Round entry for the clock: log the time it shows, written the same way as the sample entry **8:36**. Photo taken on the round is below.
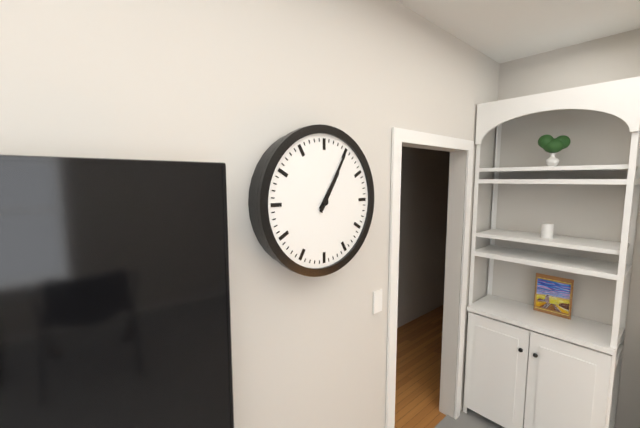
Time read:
**1:05**
